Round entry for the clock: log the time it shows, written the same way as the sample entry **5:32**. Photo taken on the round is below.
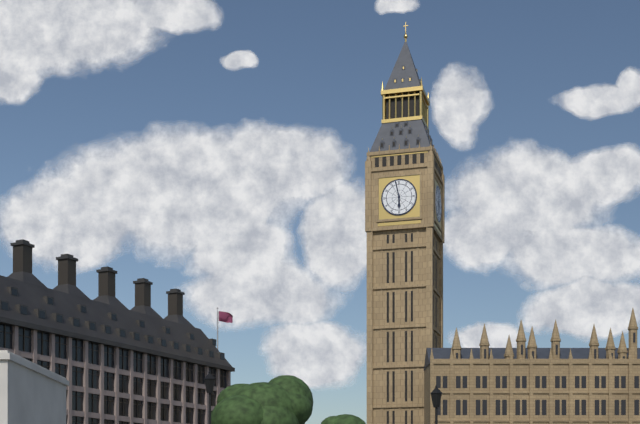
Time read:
**5:58**
